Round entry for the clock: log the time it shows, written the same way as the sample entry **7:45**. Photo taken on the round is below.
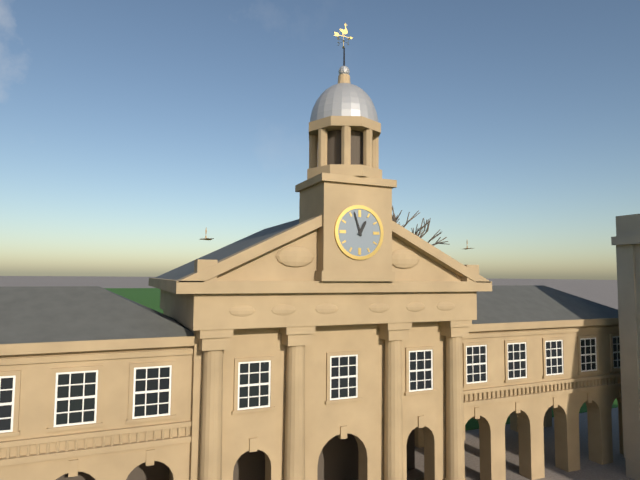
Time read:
**12:57**
